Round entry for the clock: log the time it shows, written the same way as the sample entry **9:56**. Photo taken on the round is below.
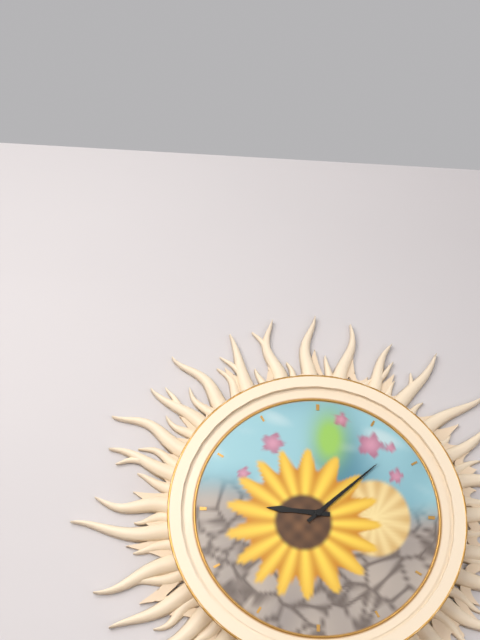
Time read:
**9:08**
